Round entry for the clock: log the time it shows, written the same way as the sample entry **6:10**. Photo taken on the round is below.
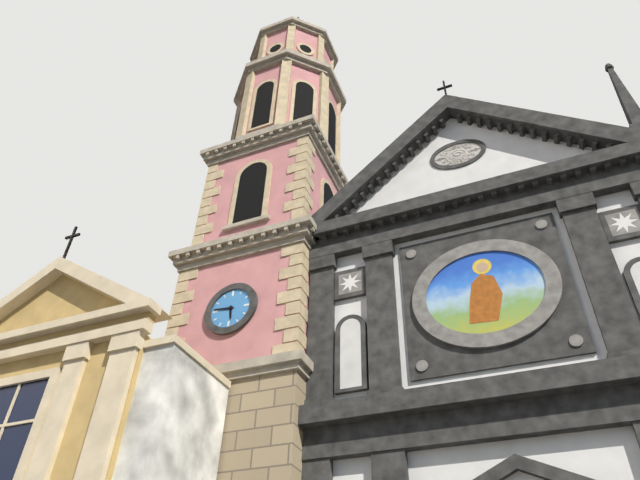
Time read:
**5:46**
